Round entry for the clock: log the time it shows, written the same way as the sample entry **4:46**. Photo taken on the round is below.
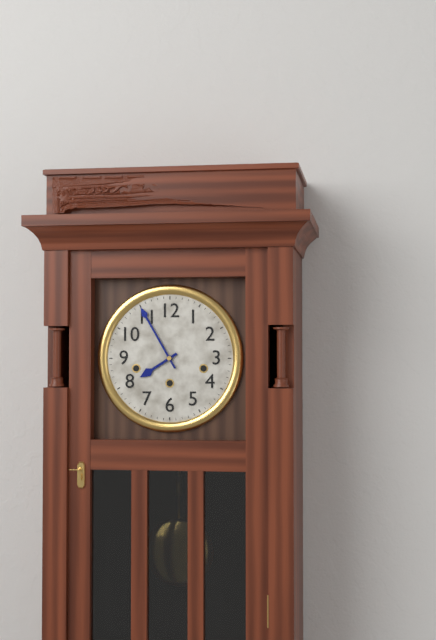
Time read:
**7:55**
